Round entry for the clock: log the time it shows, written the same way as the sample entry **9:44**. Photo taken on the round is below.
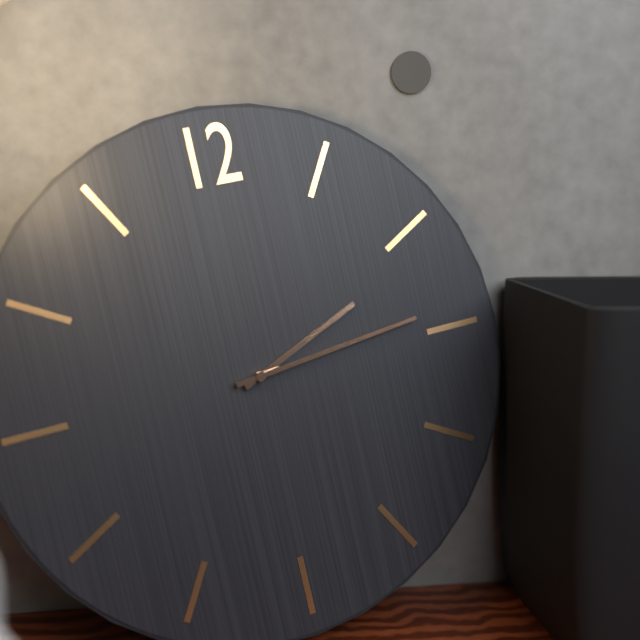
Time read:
**2:14**
